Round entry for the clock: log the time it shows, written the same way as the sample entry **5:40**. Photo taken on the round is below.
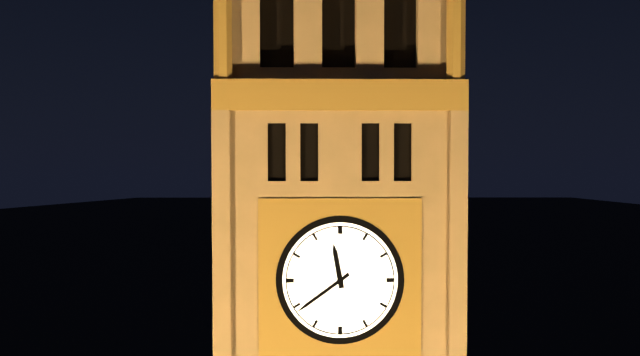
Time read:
**11:39**
